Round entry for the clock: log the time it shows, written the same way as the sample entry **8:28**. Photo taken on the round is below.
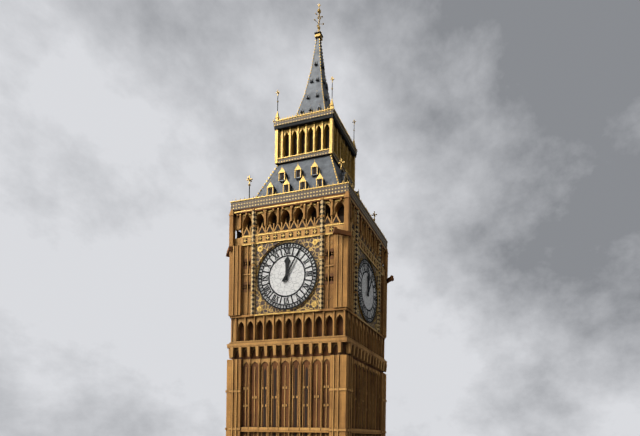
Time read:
**12:05**
